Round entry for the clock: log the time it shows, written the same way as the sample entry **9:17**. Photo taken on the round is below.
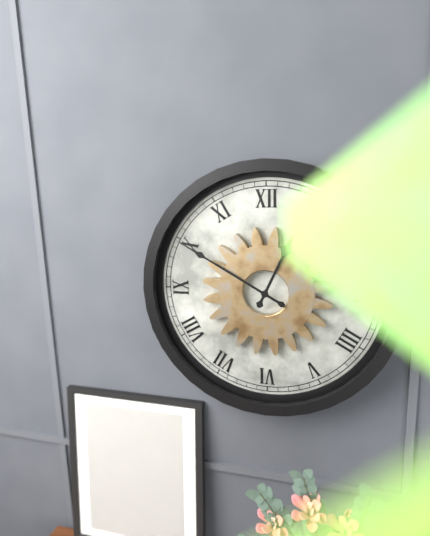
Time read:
**12:50**
